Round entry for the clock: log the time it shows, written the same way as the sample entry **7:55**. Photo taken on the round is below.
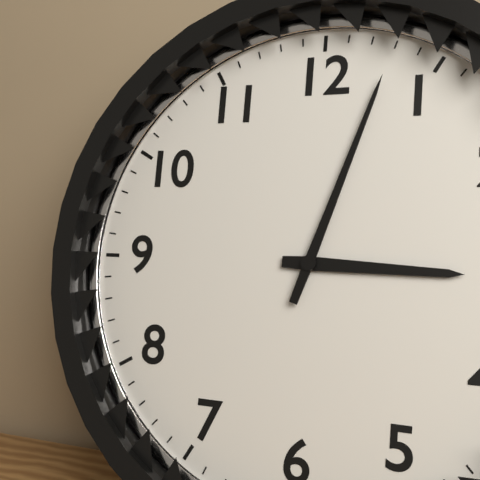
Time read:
**3:03**
